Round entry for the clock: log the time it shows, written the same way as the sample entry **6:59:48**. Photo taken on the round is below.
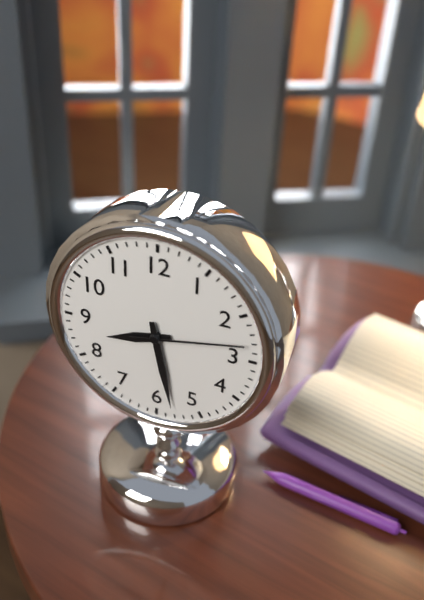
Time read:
**8:28:13**
